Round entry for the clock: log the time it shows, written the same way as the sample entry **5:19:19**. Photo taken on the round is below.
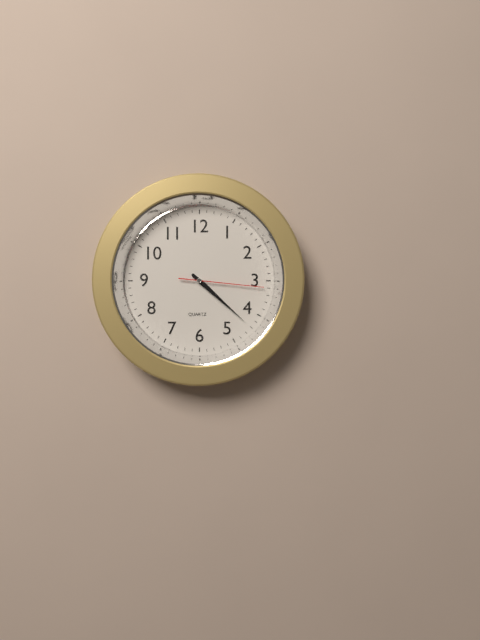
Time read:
**4:22:16**
